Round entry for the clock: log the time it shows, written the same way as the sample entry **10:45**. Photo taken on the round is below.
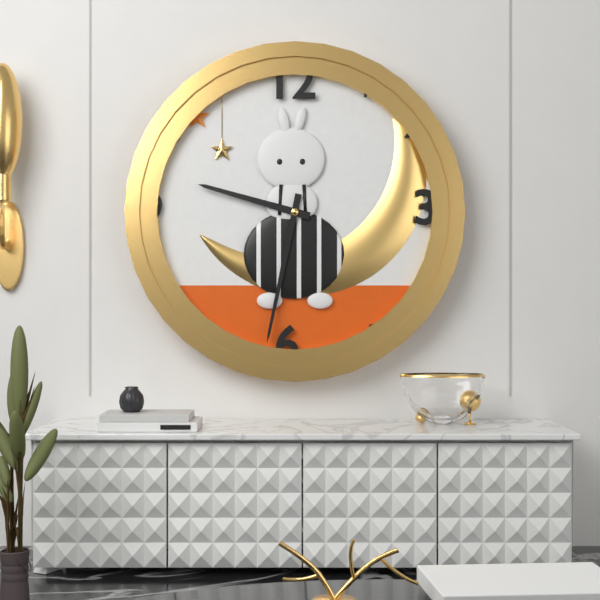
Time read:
**9:32**
